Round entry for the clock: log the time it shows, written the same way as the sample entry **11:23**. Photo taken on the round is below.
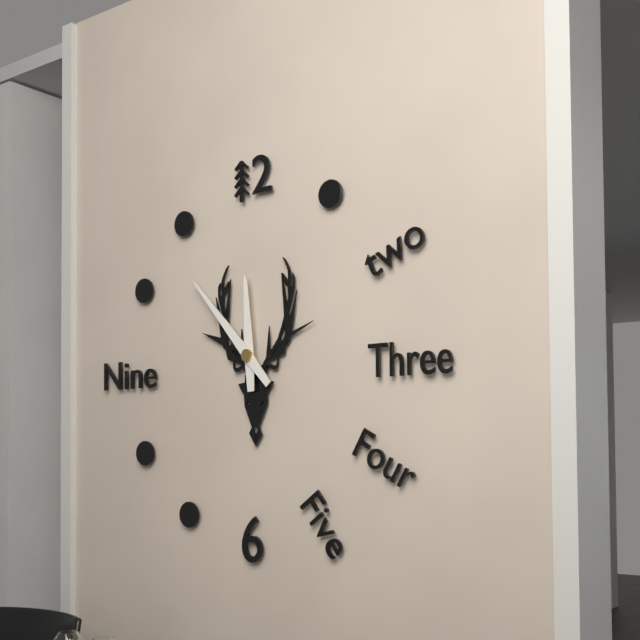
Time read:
**11:53**
